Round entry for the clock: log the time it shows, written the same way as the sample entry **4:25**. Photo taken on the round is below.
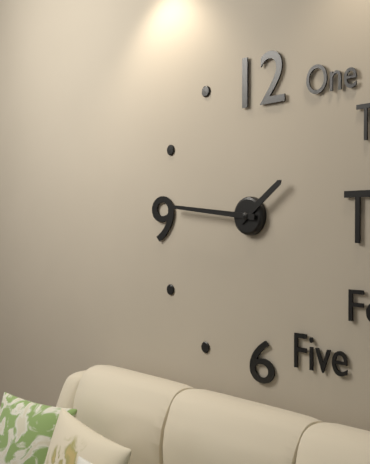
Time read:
**1:46**
